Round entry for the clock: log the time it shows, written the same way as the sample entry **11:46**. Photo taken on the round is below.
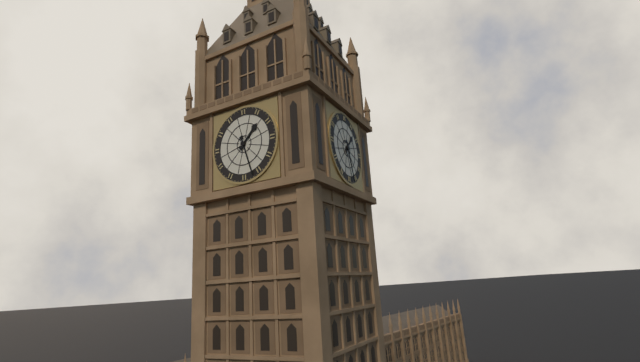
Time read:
**1:27**
